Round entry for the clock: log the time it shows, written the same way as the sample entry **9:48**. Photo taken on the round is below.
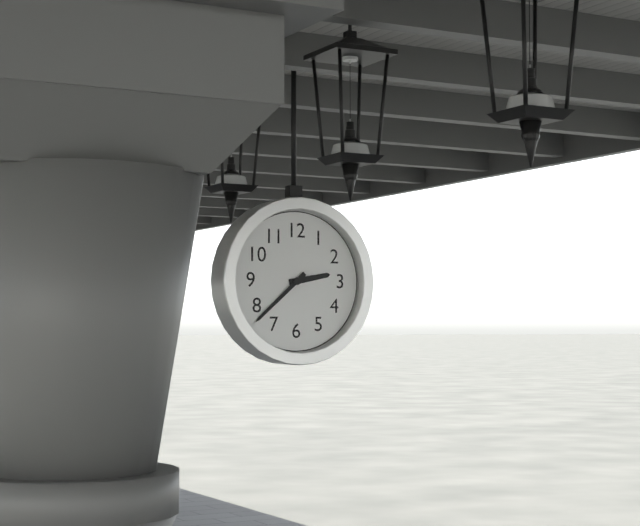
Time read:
**2:38**
